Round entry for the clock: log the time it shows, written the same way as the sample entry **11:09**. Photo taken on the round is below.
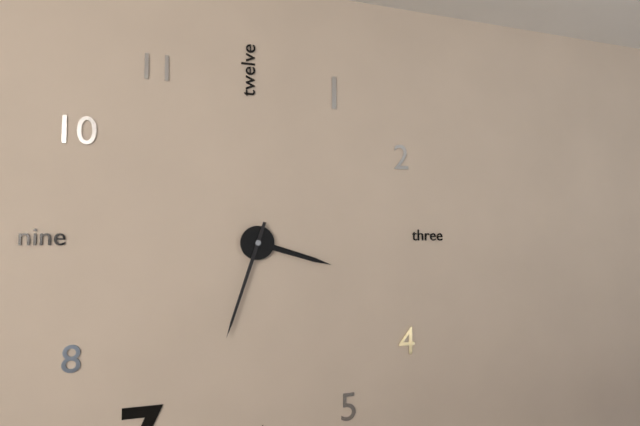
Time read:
**3:33**
